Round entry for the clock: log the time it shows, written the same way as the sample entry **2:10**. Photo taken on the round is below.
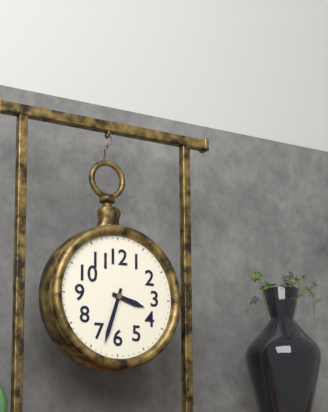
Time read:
**3:33**
